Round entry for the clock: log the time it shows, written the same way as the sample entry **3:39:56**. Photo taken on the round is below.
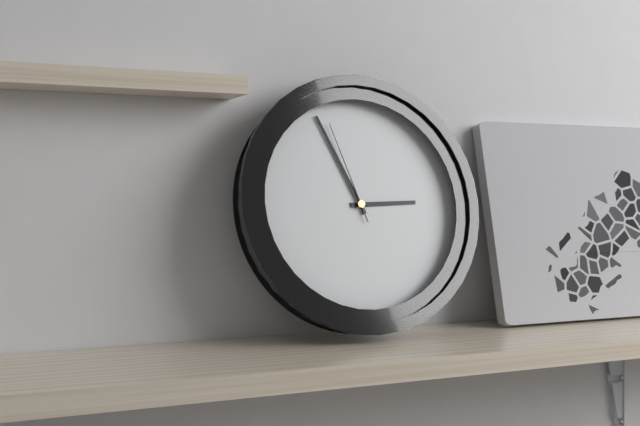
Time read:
**2:56:57**
